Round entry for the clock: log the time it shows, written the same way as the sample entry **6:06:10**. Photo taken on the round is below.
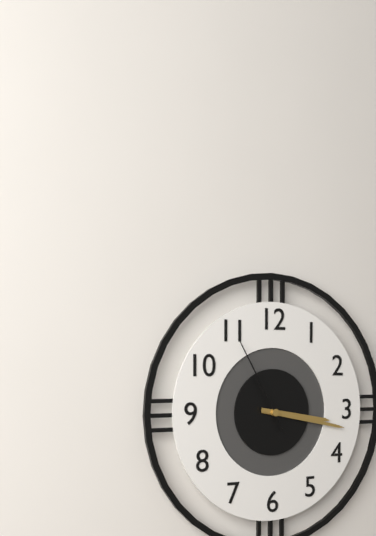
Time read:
**3:17:55**
